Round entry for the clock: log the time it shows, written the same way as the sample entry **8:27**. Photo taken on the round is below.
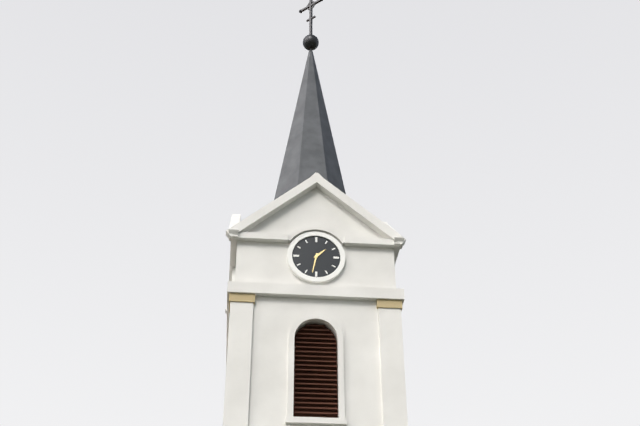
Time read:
**1:32**
